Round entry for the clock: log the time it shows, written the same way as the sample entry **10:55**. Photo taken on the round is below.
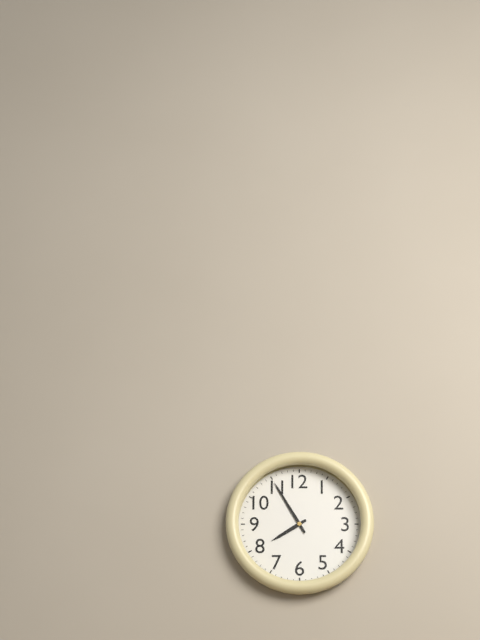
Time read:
**7:55**
